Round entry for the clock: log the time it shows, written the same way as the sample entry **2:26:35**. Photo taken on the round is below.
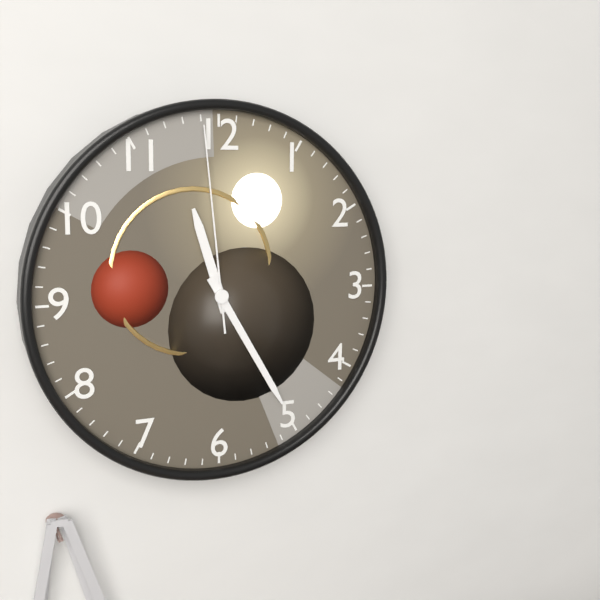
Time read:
**11:25:59**
